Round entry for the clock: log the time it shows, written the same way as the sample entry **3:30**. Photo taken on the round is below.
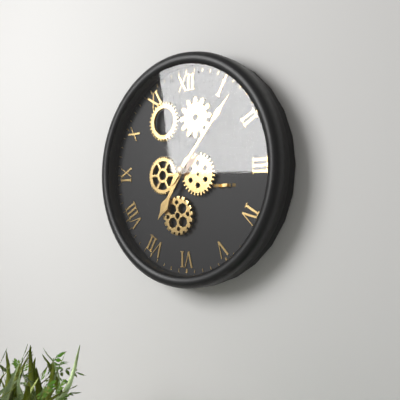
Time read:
**7:07**
